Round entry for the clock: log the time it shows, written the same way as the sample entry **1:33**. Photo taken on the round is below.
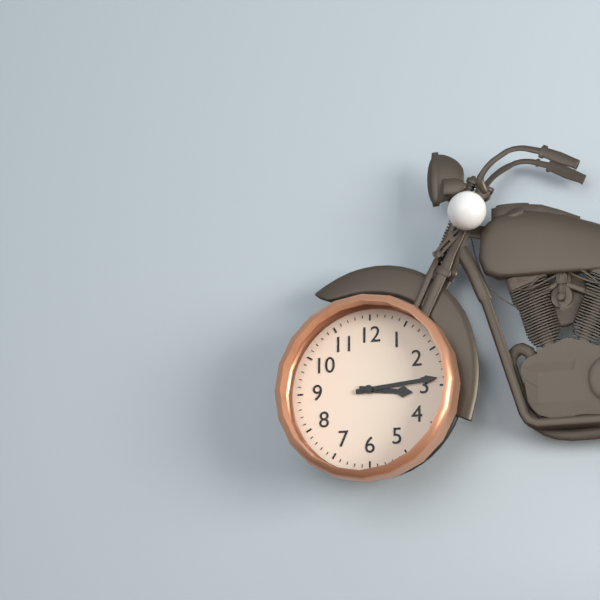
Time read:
**3:14**
